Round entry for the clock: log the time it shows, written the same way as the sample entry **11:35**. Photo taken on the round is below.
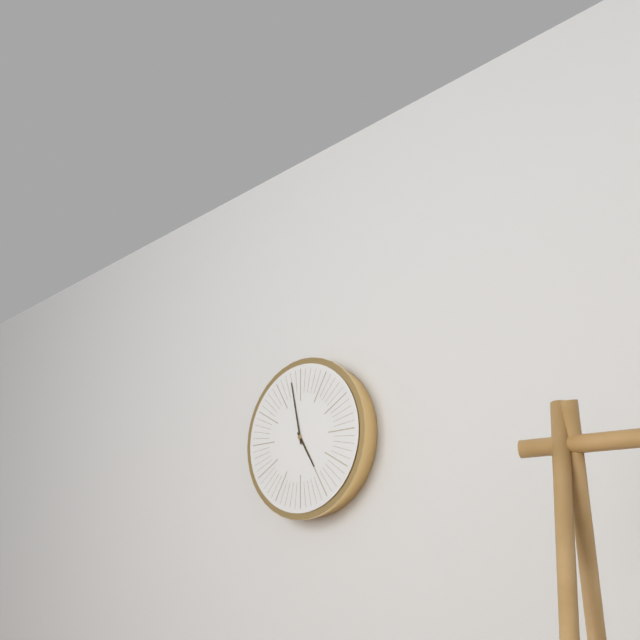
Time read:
**4:58**
